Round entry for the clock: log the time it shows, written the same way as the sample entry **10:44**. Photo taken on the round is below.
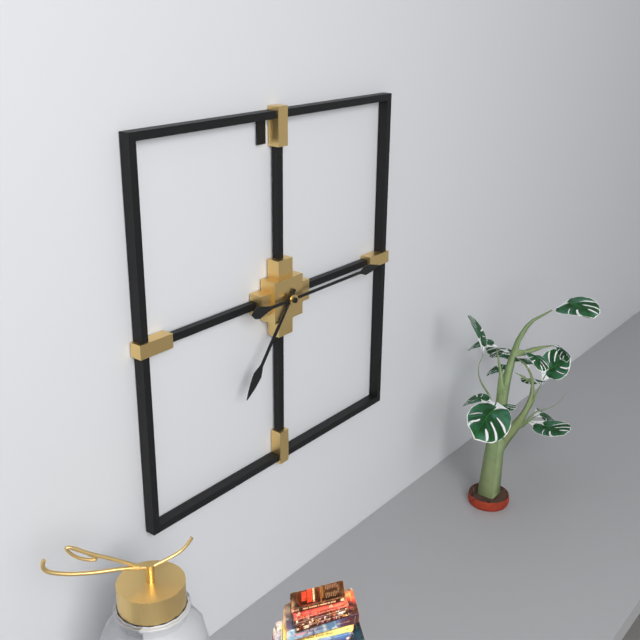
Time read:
**7:15**
